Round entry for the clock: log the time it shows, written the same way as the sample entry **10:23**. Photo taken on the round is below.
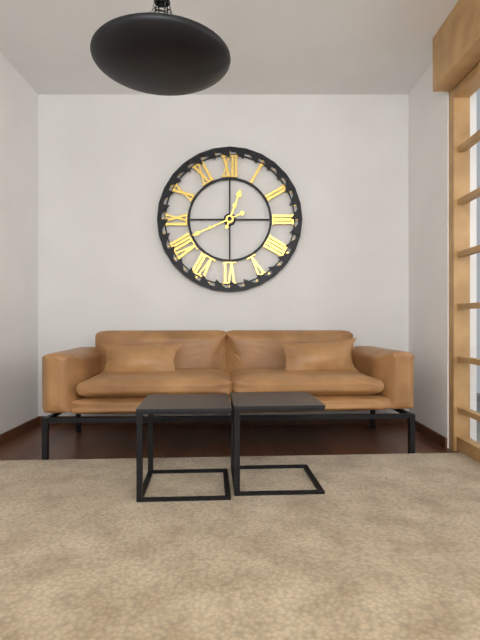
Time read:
**12:41**
